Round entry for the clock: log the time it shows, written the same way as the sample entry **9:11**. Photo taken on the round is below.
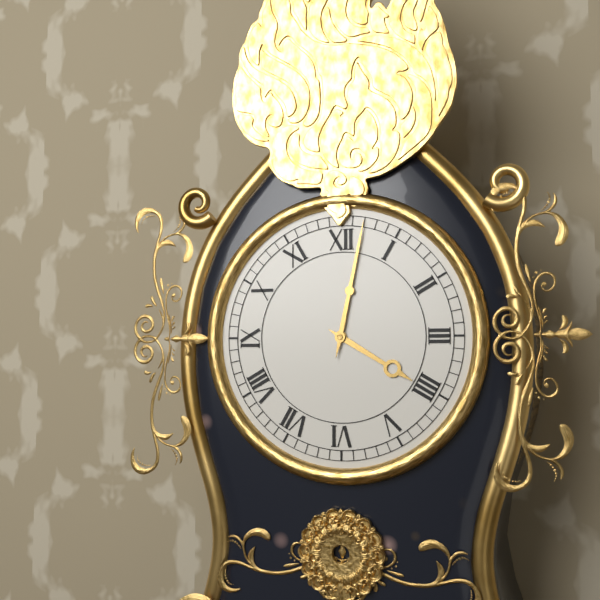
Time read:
**4:02**
